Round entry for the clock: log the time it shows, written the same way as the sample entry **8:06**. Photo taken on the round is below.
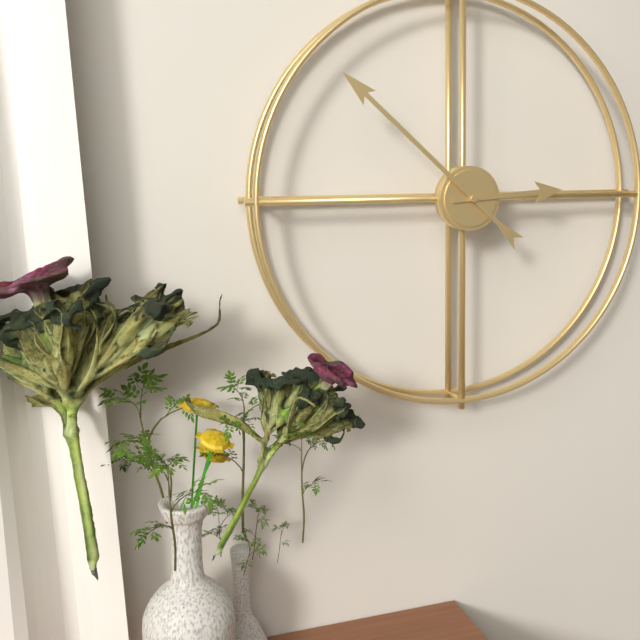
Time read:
**2:52**
